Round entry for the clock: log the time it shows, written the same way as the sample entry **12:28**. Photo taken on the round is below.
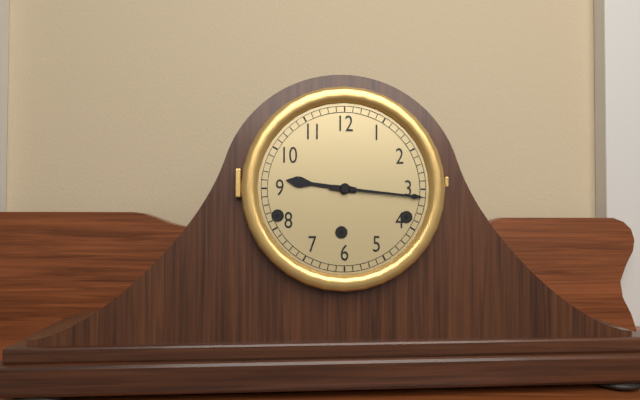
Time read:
**9:16**
